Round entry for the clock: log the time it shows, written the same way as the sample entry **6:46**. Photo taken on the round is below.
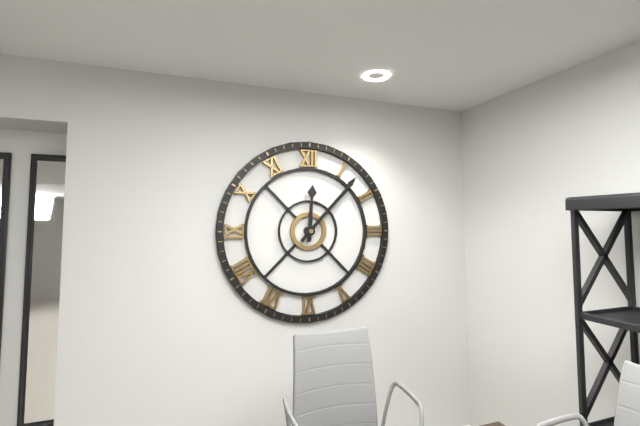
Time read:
**12:07**
